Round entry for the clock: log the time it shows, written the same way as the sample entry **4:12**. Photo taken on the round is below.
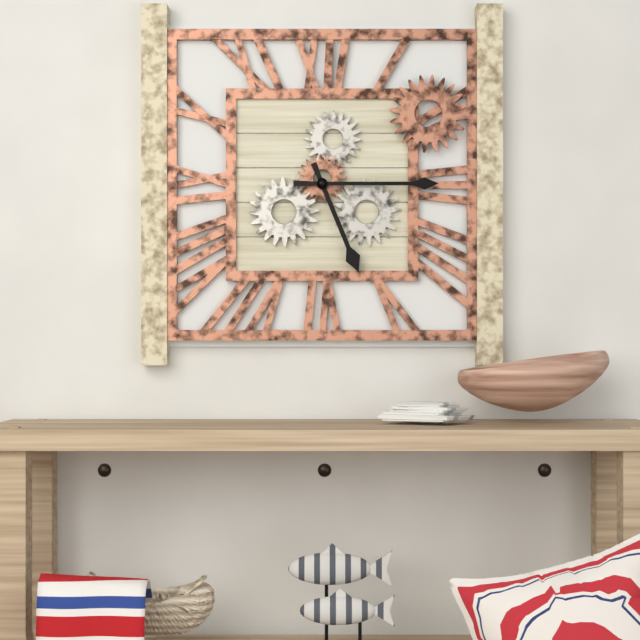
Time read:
**5:15**
